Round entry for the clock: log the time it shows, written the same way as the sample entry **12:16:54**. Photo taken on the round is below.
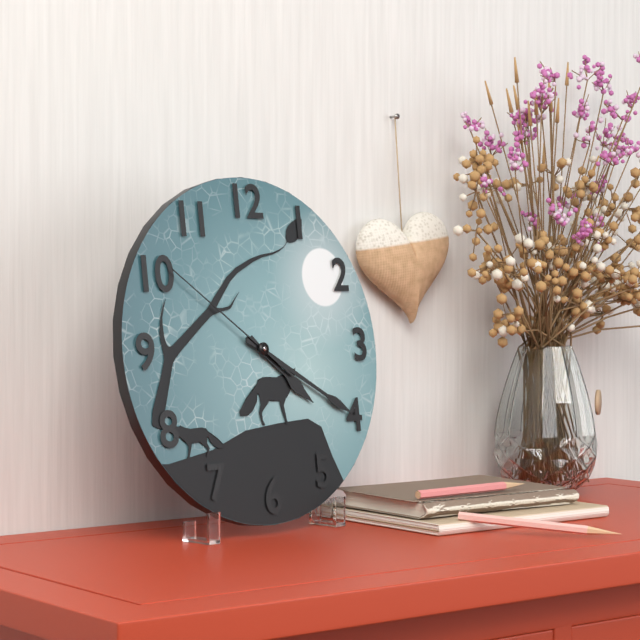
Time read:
**4:20:51**
